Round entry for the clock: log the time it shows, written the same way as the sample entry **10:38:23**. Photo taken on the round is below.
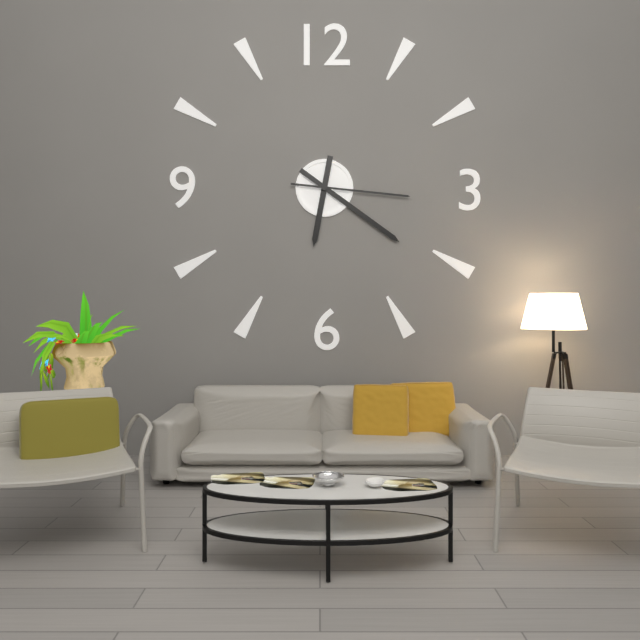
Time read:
**6:21:16**
